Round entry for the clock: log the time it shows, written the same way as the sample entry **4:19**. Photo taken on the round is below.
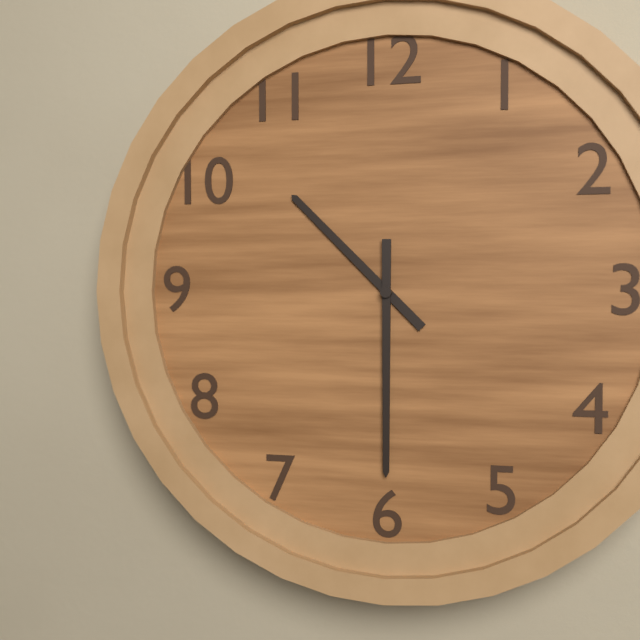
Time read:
**10:30**
